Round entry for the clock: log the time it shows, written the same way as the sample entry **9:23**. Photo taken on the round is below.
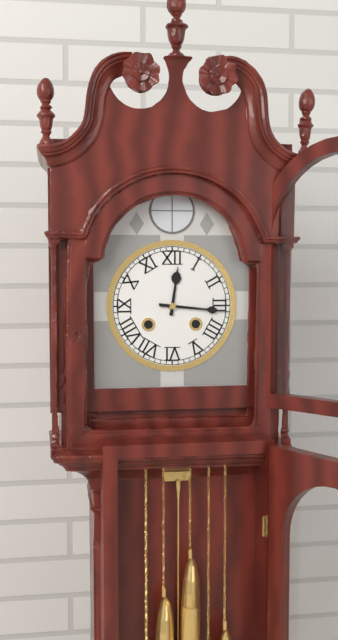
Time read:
**12:16**
